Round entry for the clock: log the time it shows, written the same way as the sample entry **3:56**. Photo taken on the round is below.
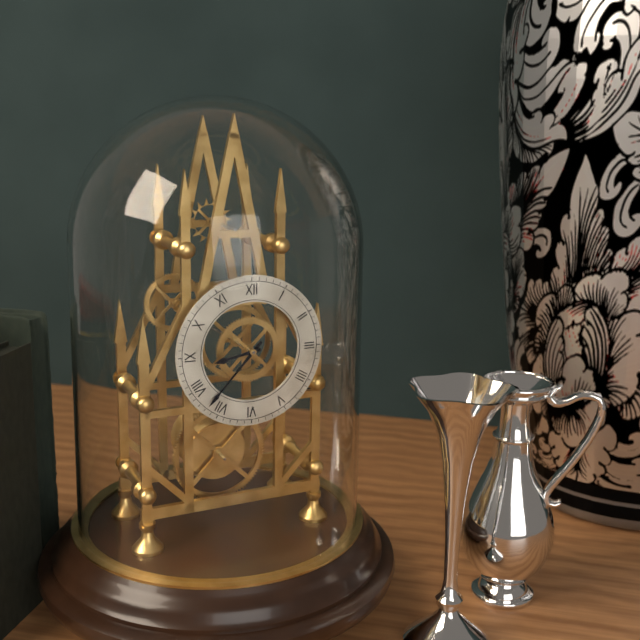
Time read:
**8:37**
